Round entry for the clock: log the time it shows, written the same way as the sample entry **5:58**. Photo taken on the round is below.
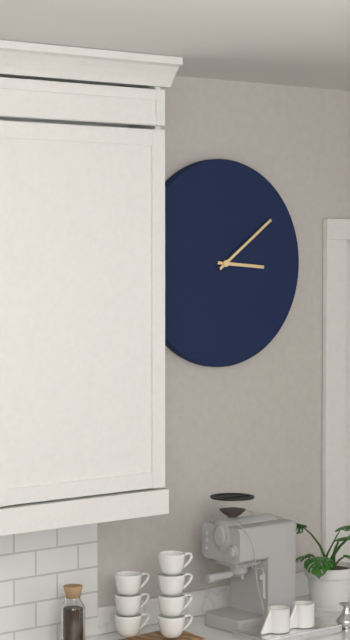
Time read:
**3:09**
